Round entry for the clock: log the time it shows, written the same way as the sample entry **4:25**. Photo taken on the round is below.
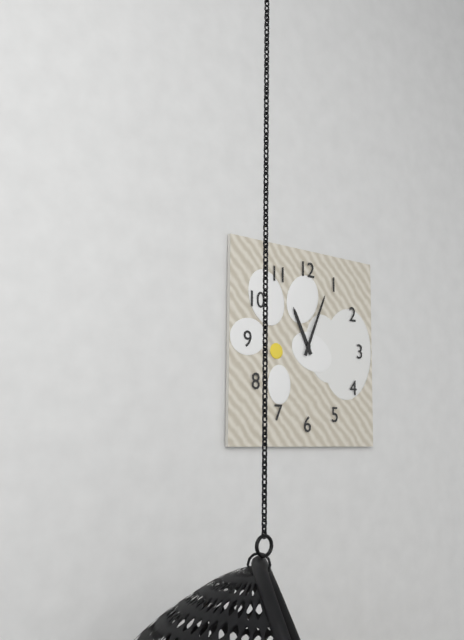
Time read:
**11:04**
